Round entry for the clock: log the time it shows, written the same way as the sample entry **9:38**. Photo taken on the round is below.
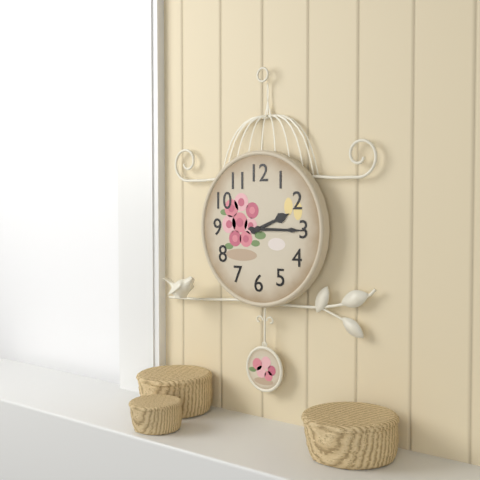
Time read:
**2:15**
